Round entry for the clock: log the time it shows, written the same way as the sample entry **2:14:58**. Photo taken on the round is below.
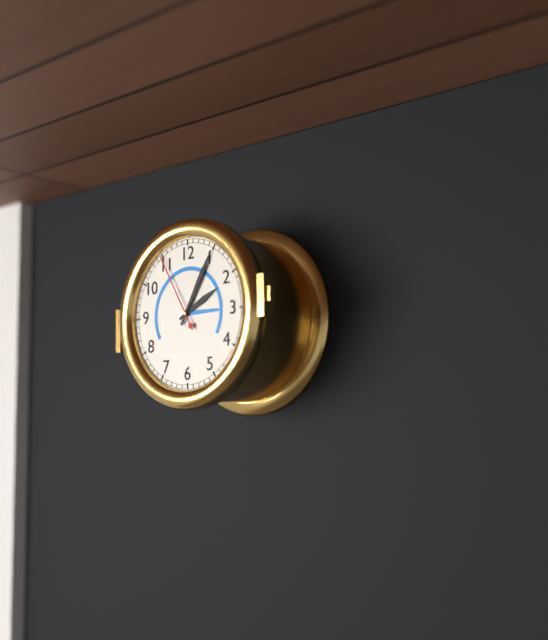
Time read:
**2:05:55**
